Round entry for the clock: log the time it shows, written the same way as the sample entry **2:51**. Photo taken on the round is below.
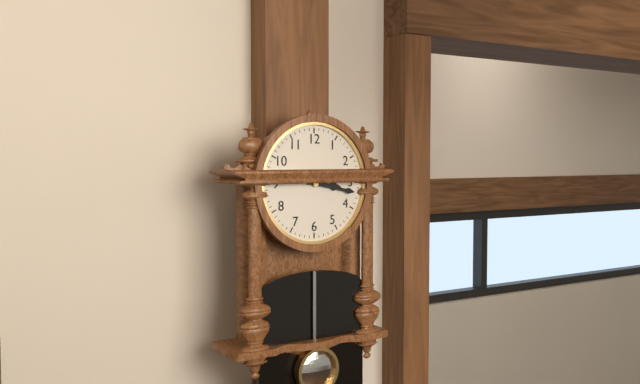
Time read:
**3:17**
